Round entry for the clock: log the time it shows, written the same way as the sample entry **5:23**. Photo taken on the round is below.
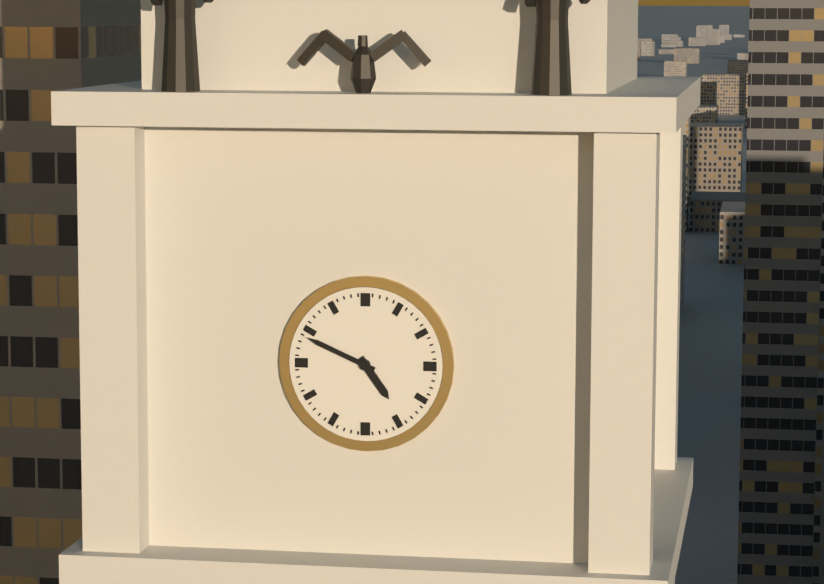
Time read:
**4:49**
